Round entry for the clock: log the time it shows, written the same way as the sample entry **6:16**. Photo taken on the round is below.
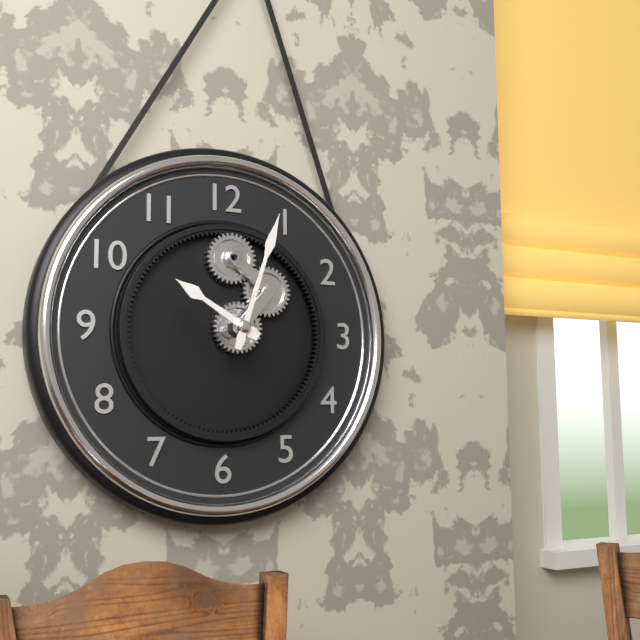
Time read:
**10:03**
